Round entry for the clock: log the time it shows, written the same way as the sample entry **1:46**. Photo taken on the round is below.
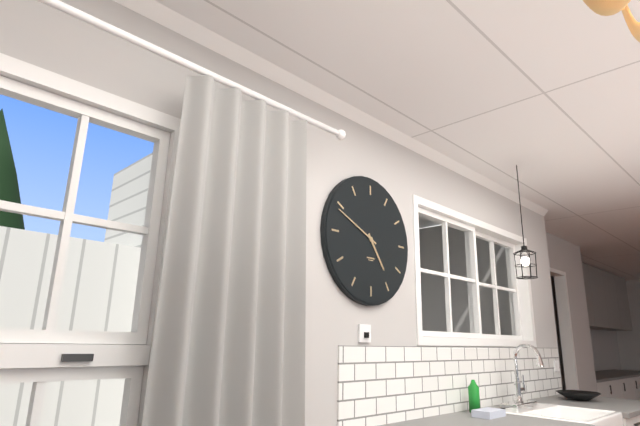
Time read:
**4:49**
